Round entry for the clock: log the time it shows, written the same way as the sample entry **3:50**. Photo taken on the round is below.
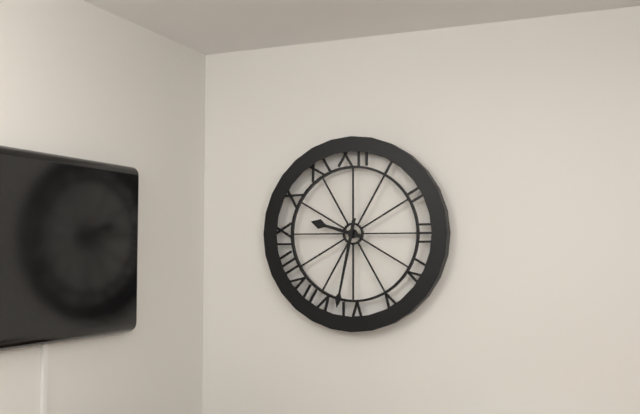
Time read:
**9:32**
